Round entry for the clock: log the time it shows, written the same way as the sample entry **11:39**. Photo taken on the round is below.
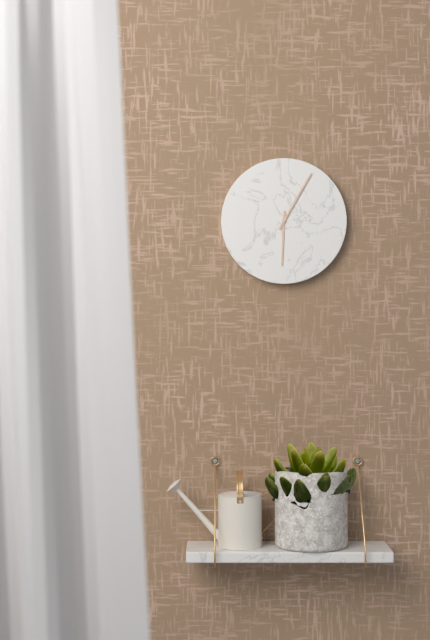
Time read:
**6:05**
